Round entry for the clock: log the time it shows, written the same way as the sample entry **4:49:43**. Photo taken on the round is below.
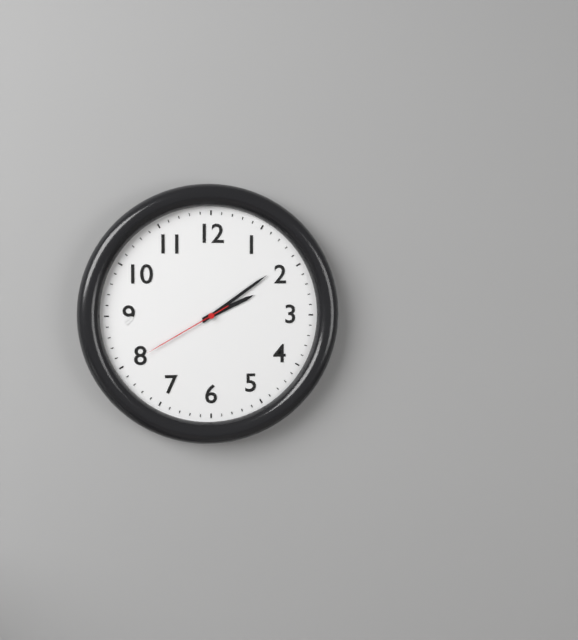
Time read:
**2:09:40**
